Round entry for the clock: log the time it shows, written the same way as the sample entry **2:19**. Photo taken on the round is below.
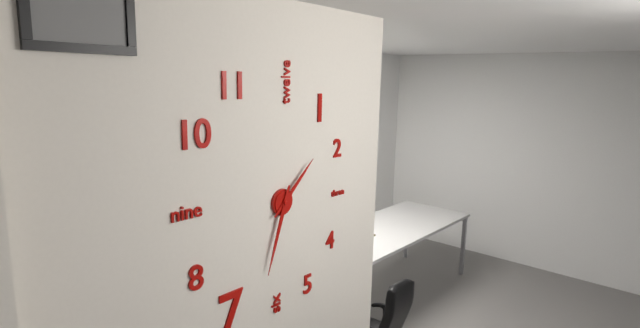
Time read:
**1:33**
